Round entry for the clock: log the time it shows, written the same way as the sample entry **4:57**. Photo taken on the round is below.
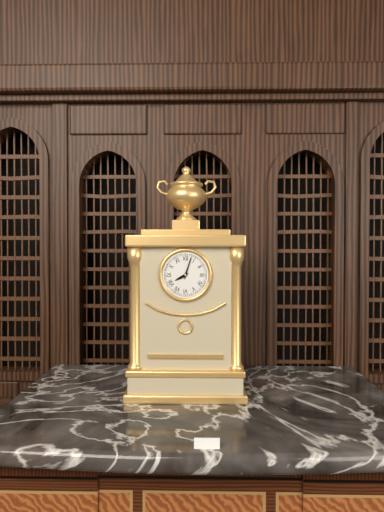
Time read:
**8:03**
